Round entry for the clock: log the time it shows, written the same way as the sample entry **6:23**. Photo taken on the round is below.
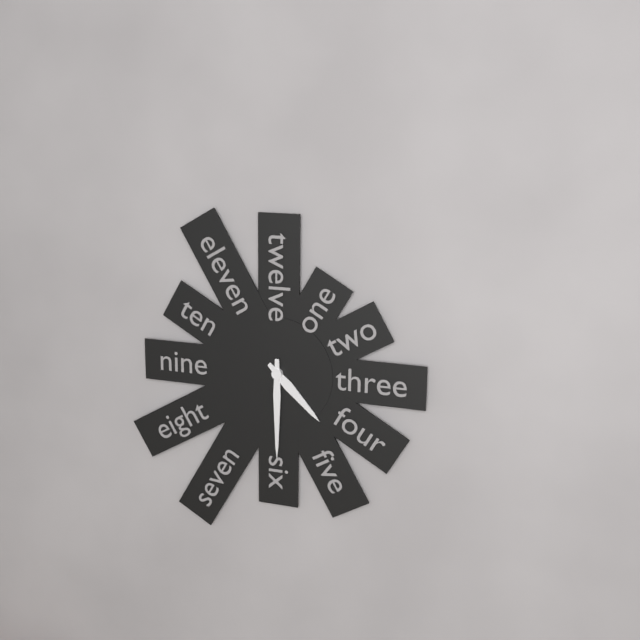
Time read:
**4:30**
